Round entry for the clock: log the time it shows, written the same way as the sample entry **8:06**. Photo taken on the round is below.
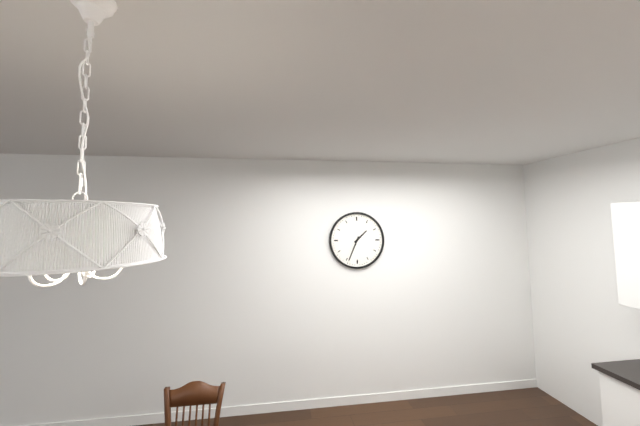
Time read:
**1:34**
